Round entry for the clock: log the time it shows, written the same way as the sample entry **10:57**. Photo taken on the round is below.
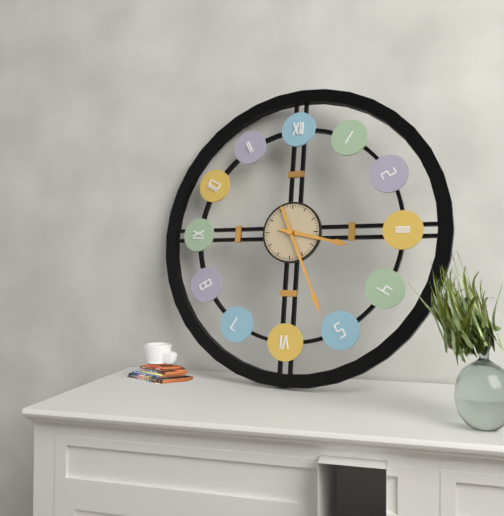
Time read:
**3:26**
